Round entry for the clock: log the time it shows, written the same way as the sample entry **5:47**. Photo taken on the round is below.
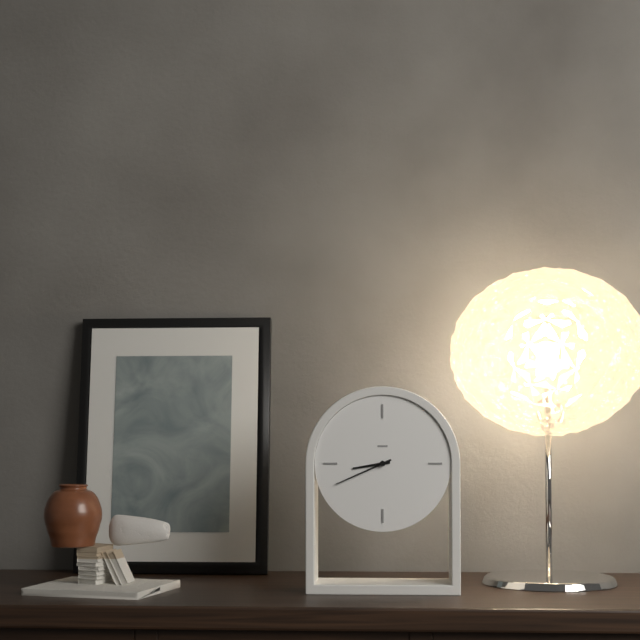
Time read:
**8:41**
